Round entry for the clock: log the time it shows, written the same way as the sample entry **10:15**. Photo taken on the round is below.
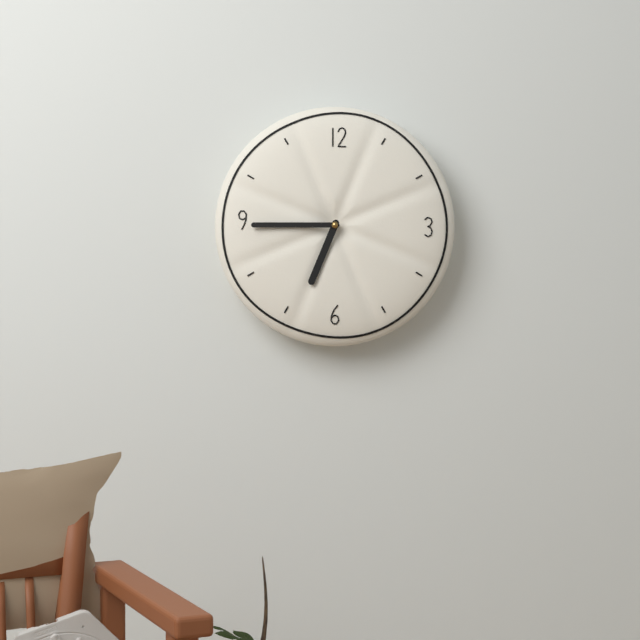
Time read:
**6:45**
